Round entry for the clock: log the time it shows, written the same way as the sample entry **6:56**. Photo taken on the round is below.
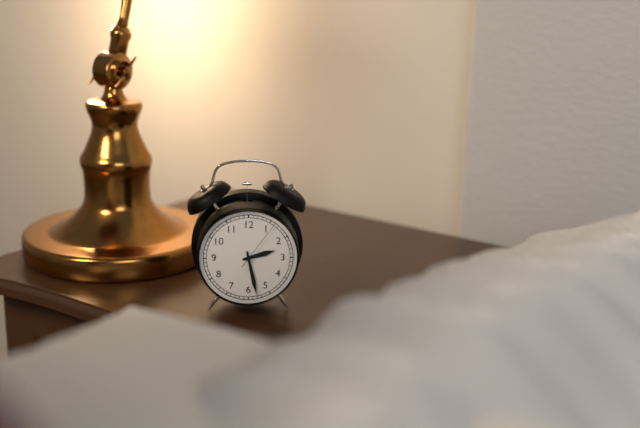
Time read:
**2:28**
